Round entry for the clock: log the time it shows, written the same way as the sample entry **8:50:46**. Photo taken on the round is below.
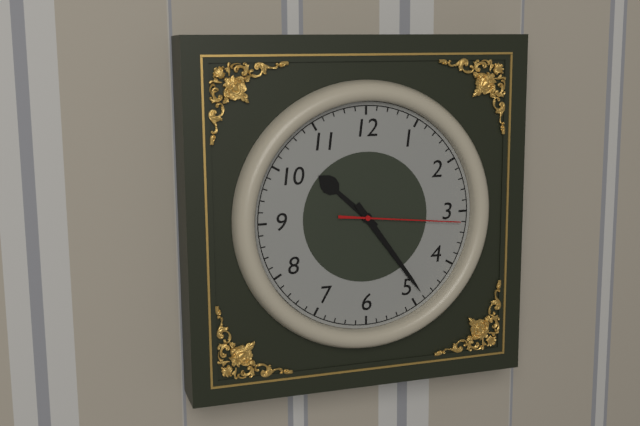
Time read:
**10:24:16**
